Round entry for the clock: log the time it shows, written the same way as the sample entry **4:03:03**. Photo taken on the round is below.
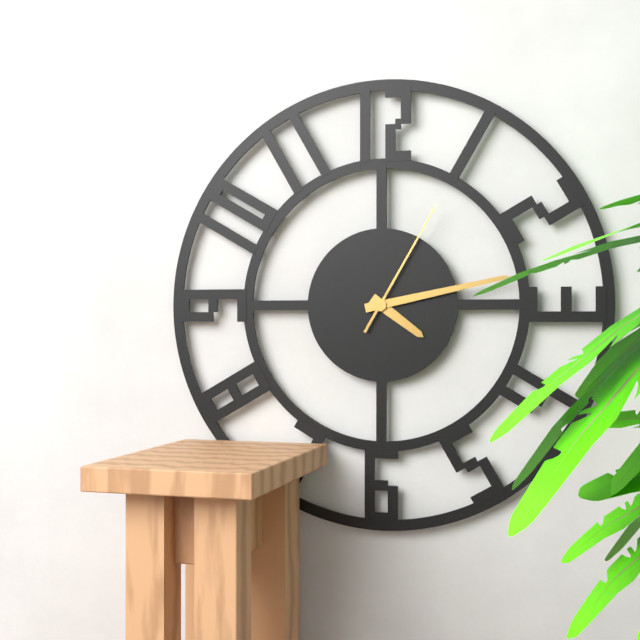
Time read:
**4:13:05**
